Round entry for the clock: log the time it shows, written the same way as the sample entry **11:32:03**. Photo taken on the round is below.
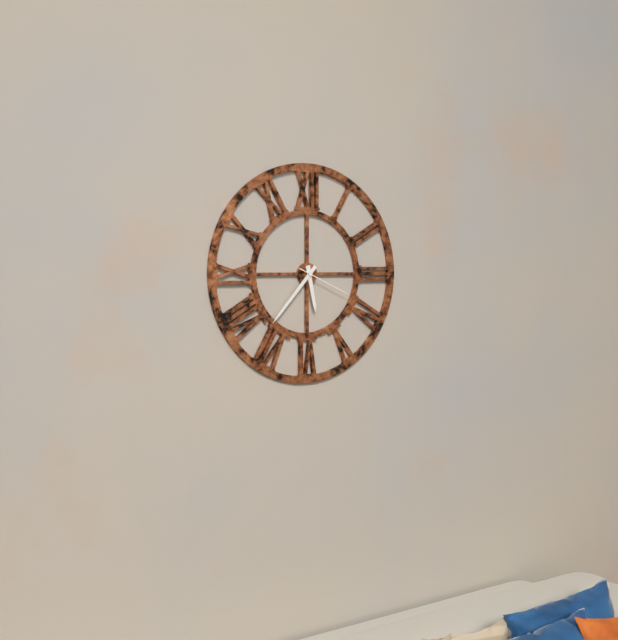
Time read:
**5:37:19**
